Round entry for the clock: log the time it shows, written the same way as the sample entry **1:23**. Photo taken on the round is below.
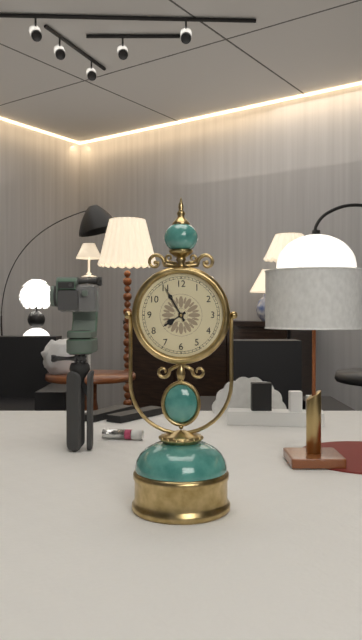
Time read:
**7:55**
